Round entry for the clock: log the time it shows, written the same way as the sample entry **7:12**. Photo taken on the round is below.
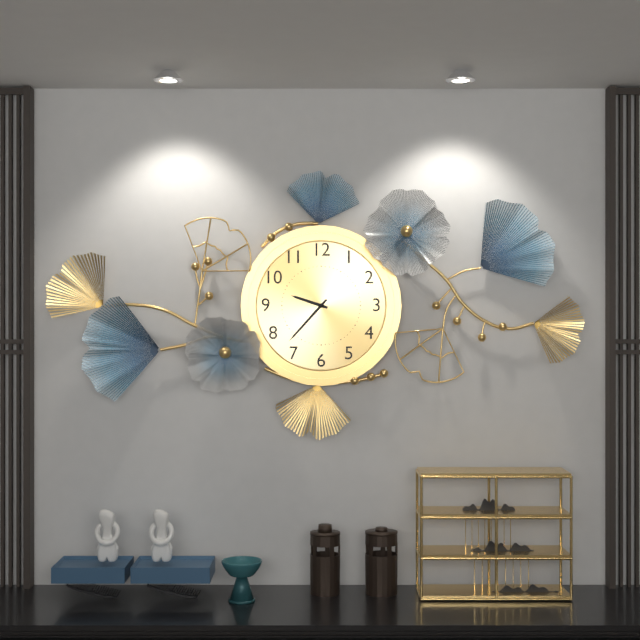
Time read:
**9:37**
